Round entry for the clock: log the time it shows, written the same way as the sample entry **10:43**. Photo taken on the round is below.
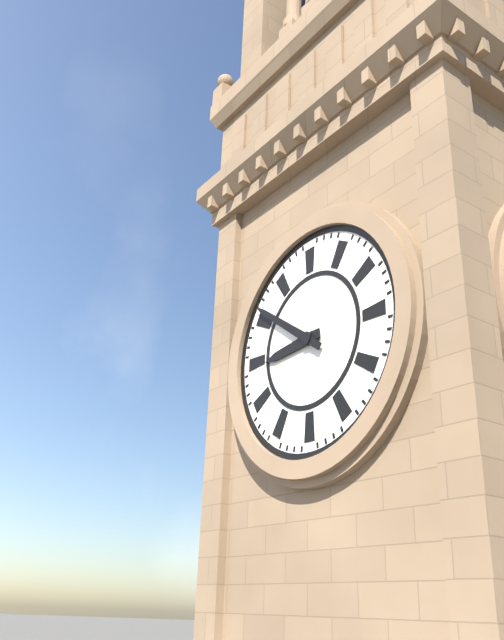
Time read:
**8:51**
